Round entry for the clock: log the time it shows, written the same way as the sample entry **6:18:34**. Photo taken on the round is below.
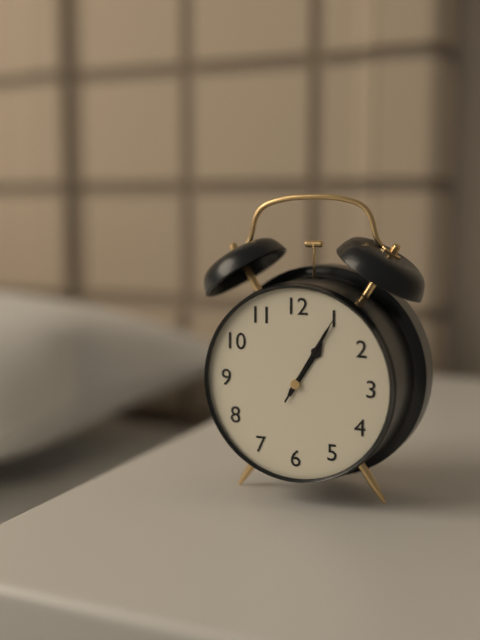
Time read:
**1:05:05**
